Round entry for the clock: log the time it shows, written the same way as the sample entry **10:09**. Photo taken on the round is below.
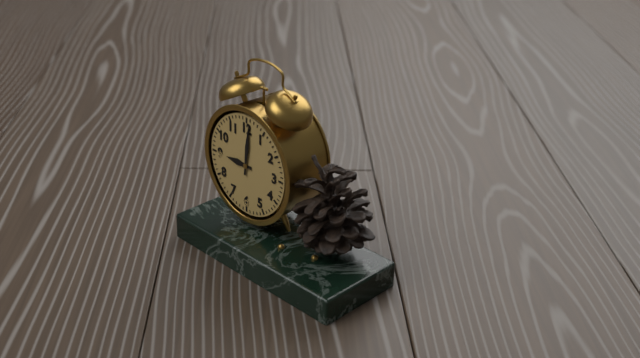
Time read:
**9:01**
